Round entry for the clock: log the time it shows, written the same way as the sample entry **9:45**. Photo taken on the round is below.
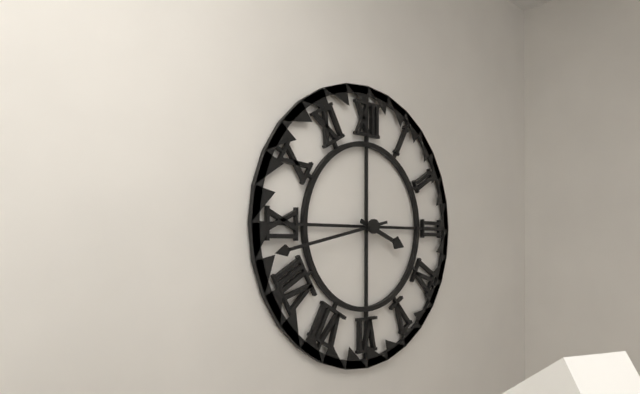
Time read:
**3:43**
